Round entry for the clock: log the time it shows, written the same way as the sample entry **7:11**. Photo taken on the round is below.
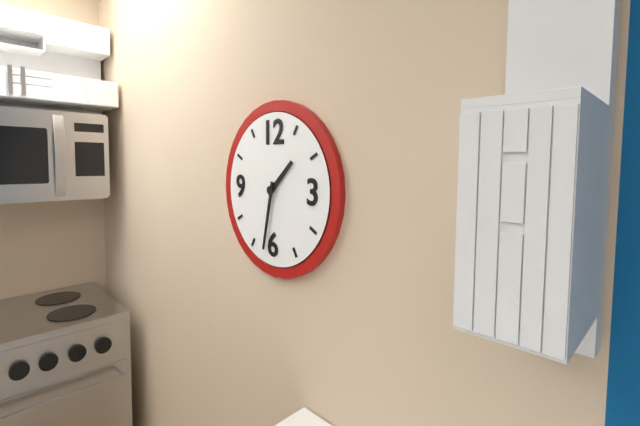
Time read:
**1:32**
